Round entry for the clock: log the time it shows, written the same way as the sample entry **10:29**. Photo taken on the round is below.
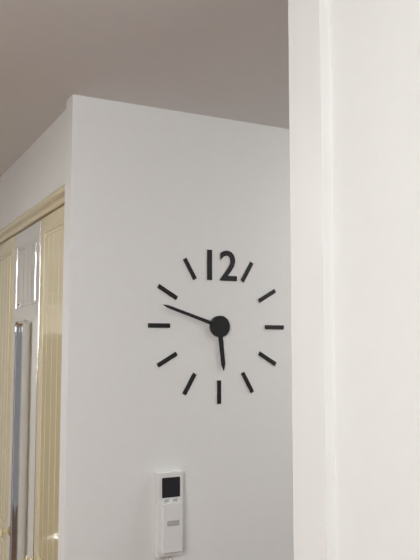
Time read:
**5:48**
